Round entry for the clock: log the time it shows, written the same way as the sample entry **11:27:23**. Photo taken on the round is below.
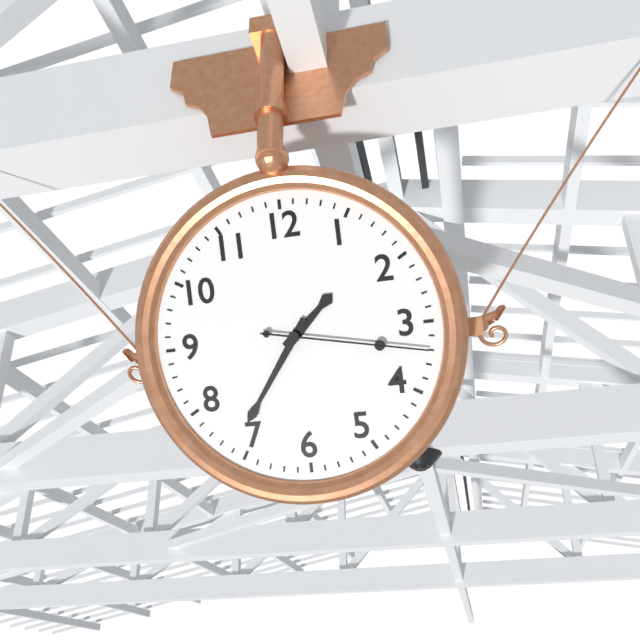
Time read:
**1:36:17**
